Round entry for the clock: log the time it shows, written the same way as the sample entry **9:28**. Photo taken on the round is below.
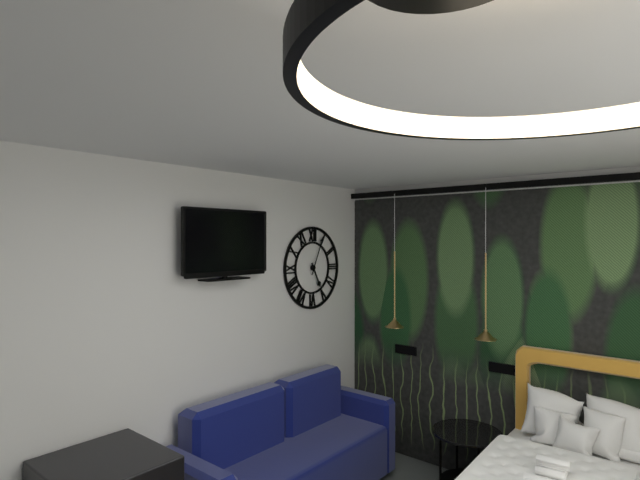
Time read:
**5:04**
